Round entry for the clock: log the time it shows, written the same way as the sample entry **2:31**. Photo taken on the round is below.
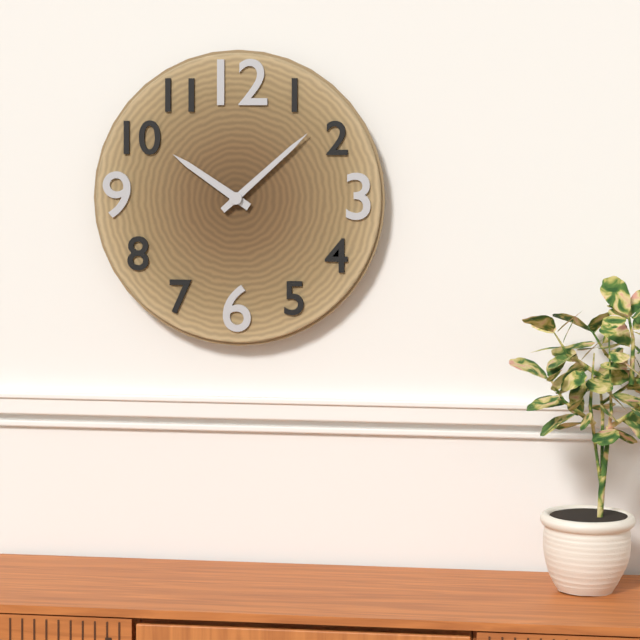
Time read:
**10:08**
